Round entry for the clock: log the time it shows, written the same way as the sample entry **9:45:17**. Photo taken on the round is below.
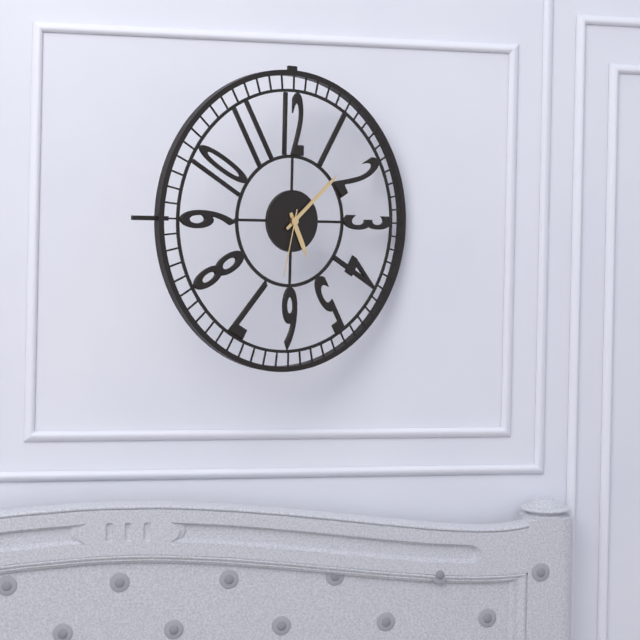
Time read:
**5:08:32**
